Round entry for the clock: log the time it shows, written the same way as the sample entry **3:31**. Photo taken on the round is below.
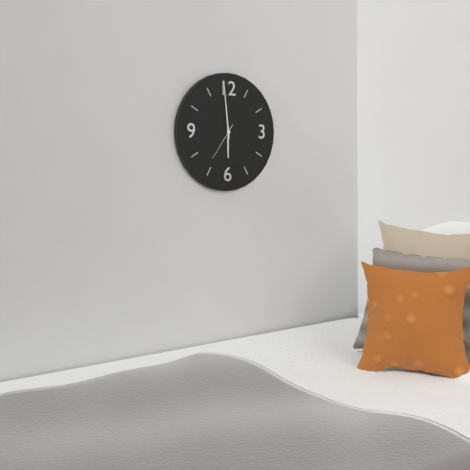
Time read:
**5:59**
